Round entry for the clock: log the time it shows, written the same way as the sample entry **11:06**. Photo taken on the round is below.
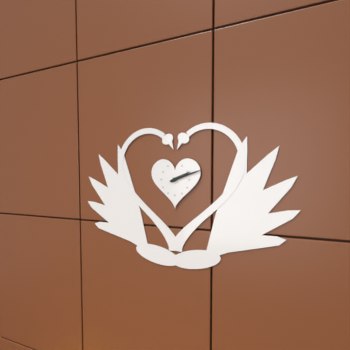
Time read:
**2:12**
